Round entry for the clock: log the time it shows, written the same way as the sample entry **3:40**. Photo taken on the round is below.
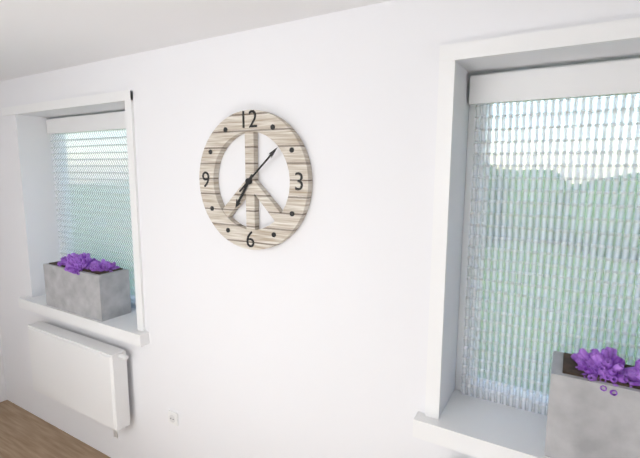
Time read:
**7:08**
